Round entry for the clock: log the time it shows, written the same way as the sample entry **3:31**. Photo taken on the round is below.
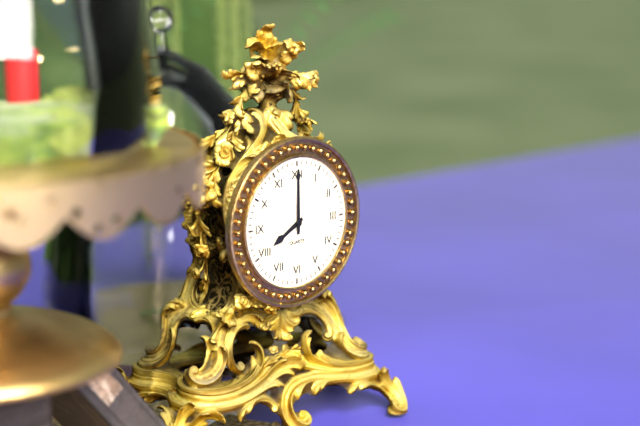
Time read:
**8:00**
